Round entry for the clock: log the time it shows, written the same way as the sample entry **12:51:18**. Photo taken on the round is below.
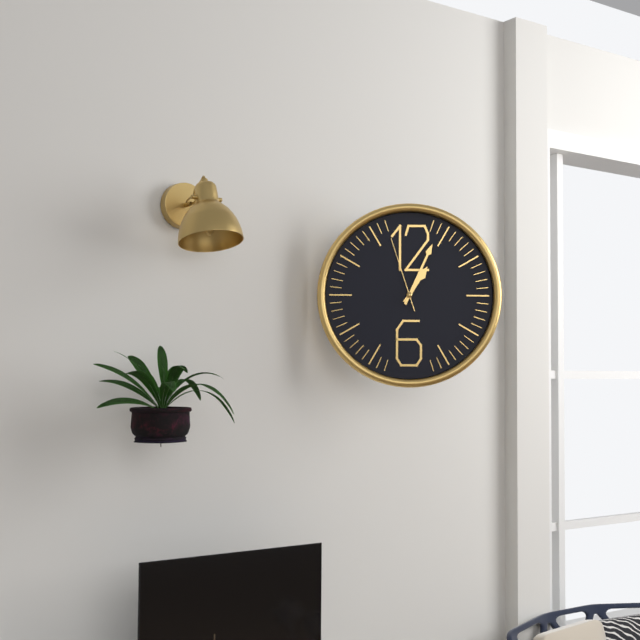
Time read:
**1:04:57**
